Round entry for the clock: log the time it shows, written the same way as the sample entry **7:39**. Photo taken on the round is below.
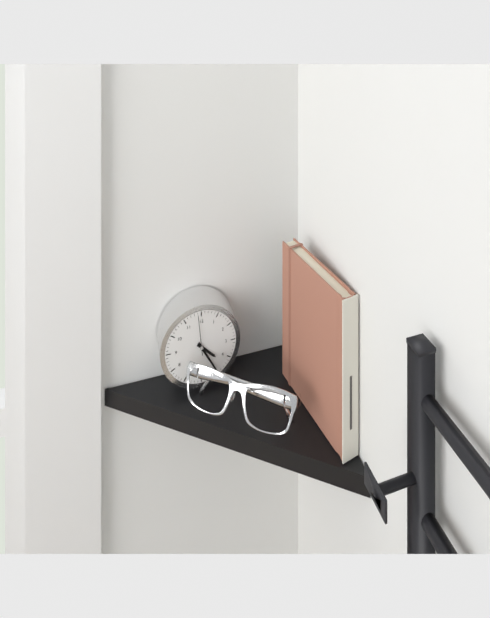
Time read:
**4:25**
